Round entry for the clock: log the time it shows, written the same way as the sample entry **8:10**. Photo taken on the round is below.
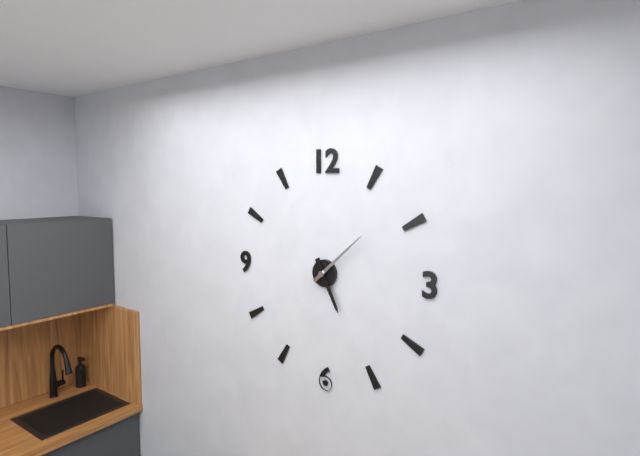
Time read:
**5:08**
